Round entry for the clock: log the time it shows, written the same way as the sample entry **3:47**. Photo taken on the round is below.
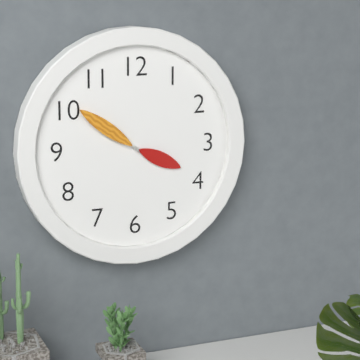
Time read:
**3:51**
